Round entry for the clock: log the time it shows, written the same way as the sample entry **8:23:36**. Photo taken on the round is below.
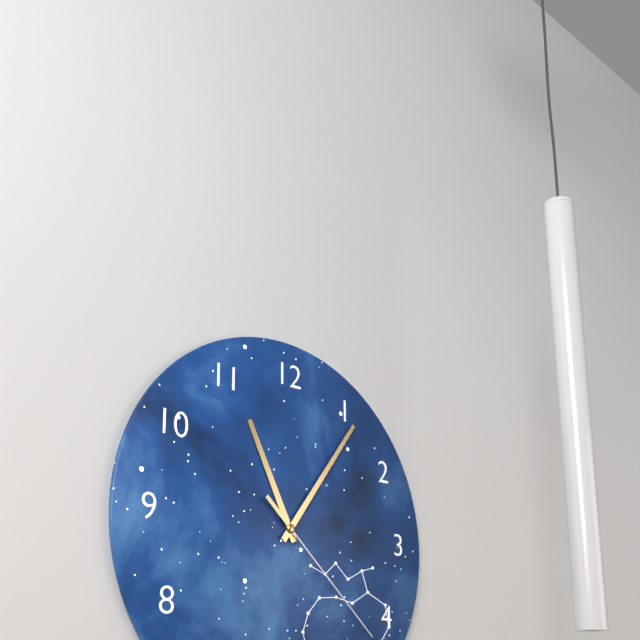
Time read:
**11:06:22**
